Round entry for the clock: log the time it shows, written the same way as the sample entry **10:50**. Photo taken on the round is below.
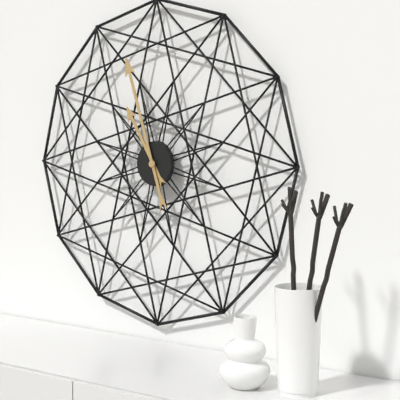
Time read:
**10:57**
